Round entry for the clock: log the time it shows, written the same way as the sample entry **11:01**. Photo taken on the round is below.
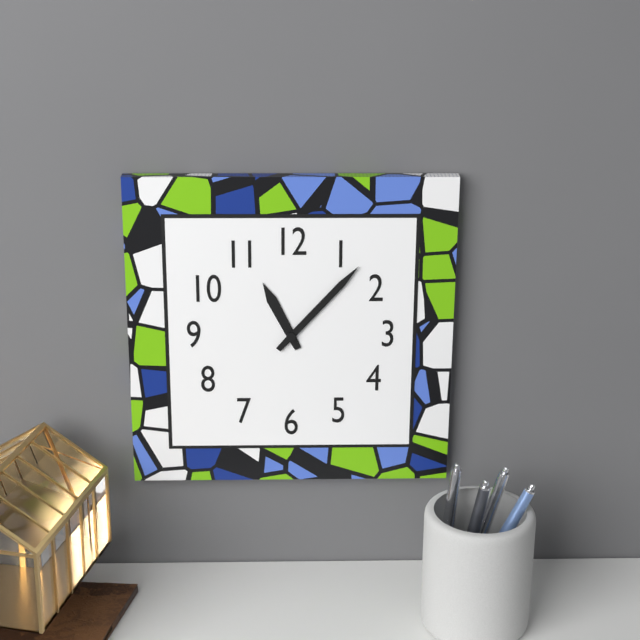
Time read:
**11:07**
